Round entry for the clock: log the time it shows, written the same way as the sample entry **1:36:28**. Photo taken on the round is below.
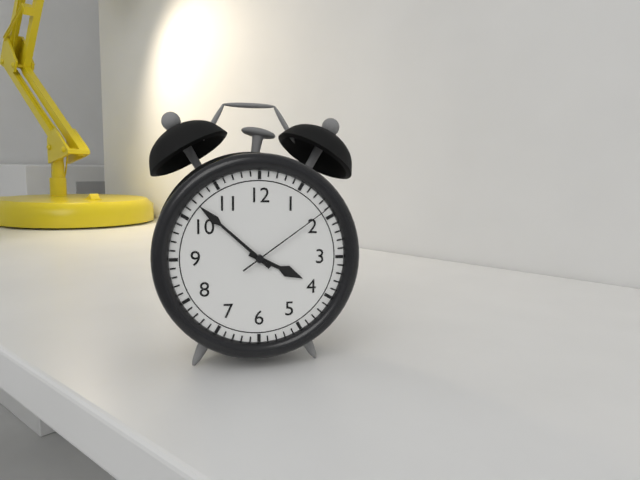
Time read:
**3:52:09**
